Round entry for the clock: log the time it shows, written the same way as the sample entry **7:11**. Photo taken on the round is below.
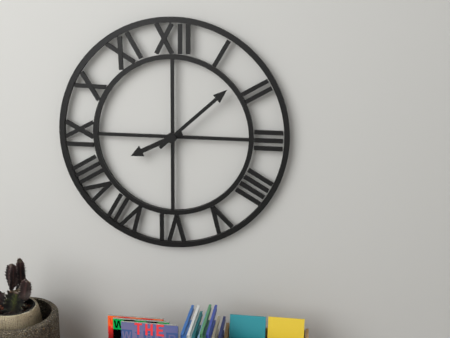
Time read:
**8:08**
